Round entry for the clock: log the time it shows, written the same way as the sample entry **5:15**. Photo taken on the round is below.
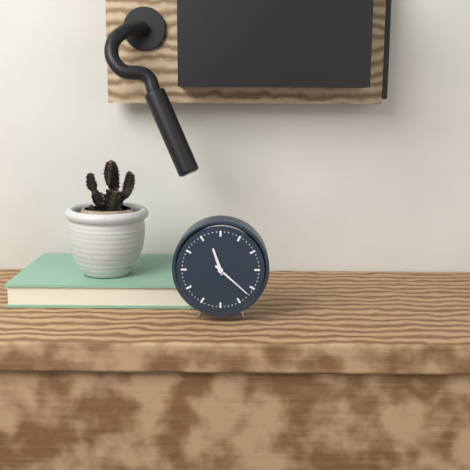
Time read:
**11:22**
